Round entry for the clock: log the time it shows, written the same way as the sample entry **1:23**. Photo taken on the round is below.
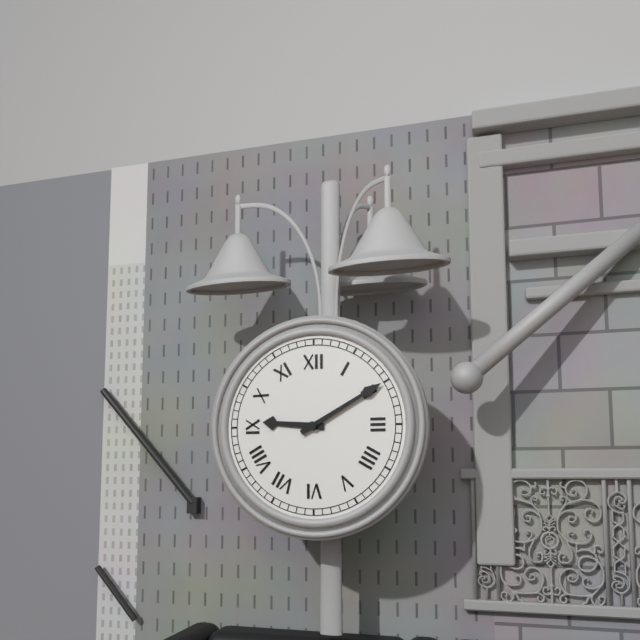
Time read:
**9:10**
